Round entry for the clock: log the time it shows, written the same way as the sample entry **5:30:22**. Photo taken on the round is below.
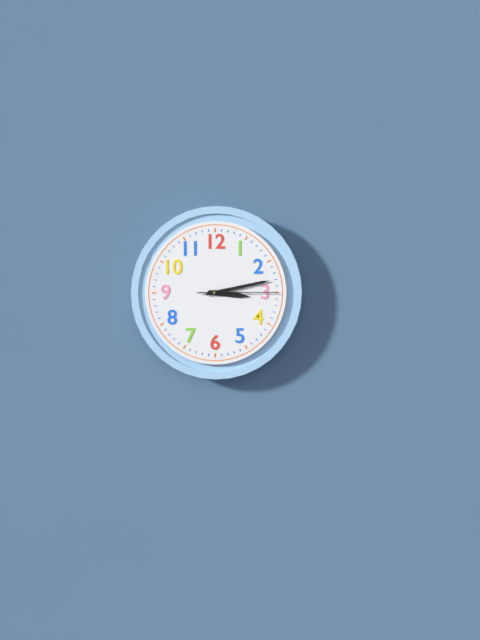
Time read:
**3:13:15**
